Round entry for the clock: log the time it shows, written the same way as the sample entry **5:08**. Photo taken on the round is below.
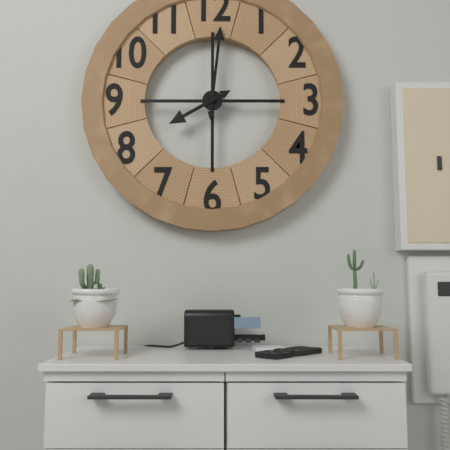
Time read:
**8:01**
